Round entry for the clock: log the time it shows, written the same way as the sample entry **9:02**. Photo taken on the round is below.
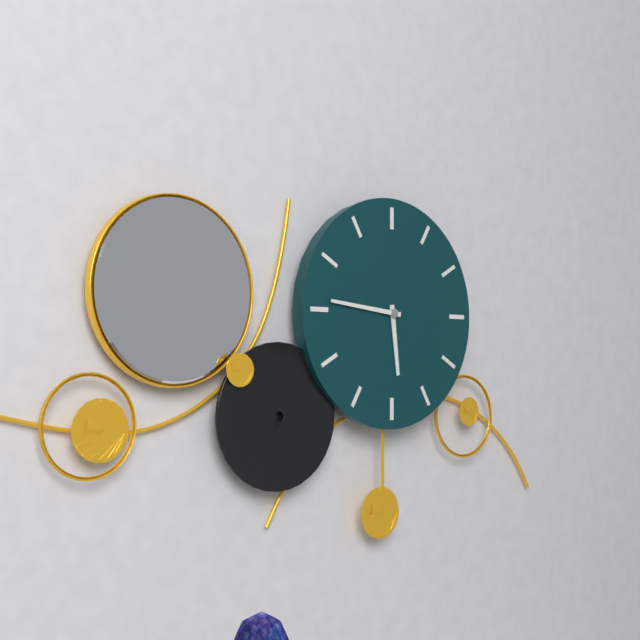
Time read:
**5:46**
